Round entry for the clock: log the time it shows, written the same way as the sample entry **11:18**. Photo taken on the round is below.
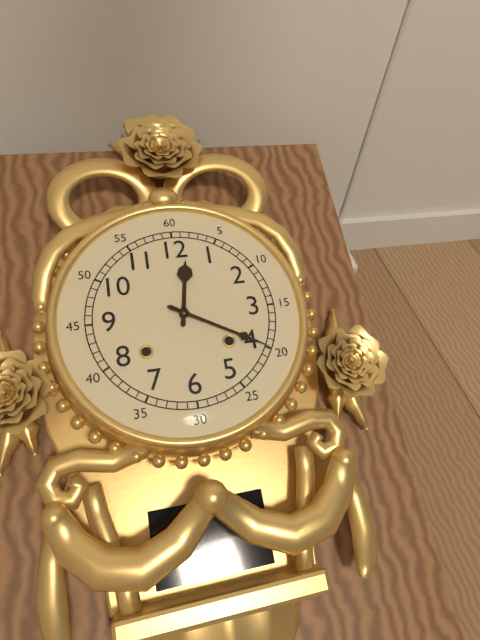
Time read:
**12:20**
